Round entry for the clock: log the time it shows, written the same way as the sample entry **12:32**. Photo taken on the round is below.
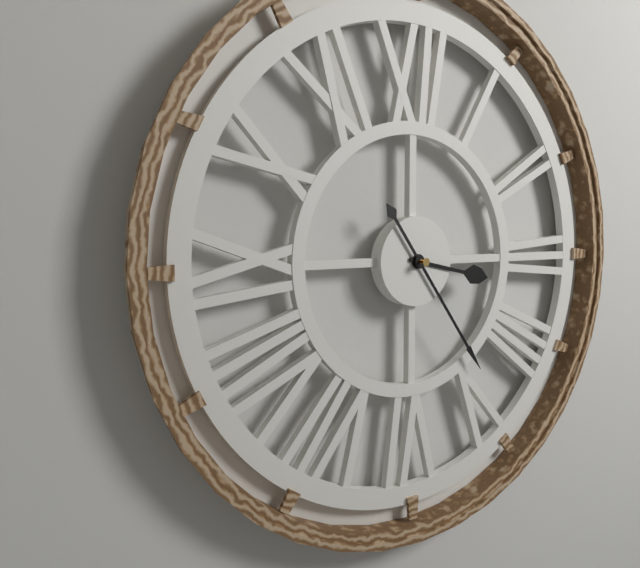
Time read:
**3:24**
